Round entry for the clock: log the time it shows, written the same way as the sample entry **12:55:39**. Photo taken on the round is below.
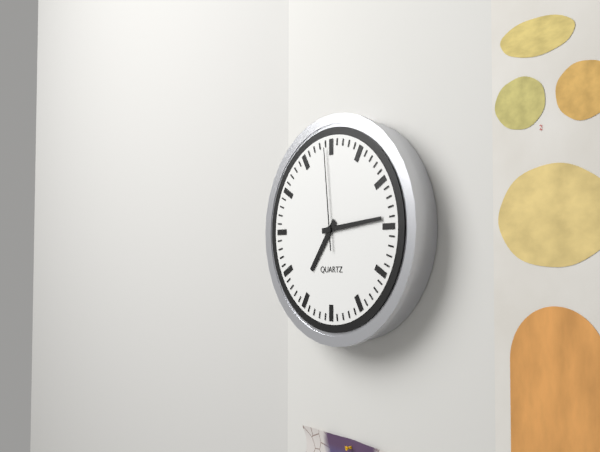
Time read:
**7:14:59**
